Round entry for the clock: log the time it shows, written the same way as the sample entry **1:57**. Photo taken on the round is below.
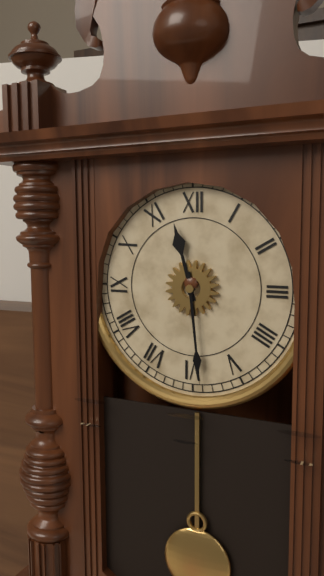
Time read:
**11:29**
